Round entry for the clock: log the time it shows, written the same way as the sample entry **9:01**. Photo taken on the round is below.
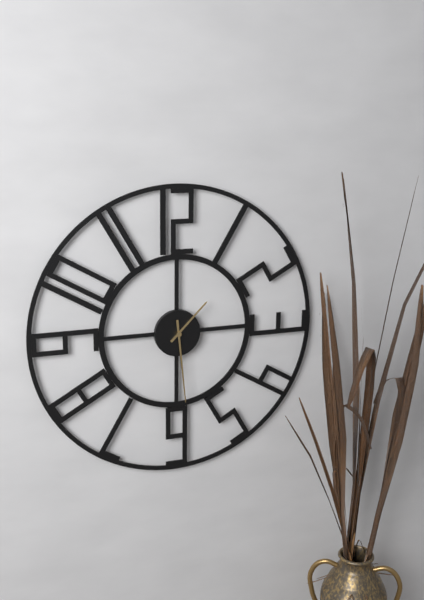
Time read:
**1:29**
